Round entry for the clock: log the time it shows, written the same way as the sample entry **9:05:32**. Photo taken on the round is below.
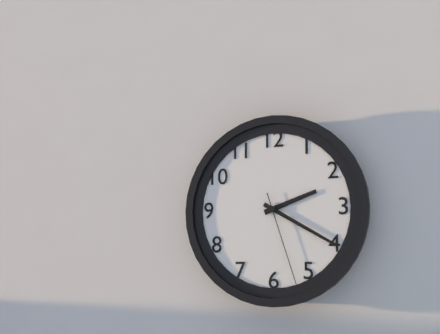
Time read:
**2:20:27**
